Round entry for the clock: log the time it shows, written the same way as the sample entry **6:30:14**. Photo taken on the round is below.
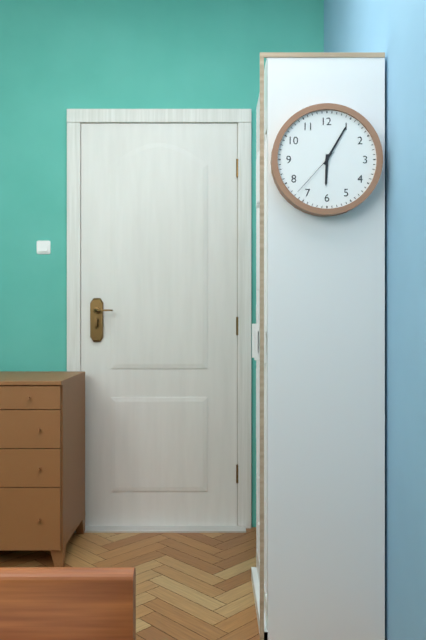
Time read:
**6:05:37**
